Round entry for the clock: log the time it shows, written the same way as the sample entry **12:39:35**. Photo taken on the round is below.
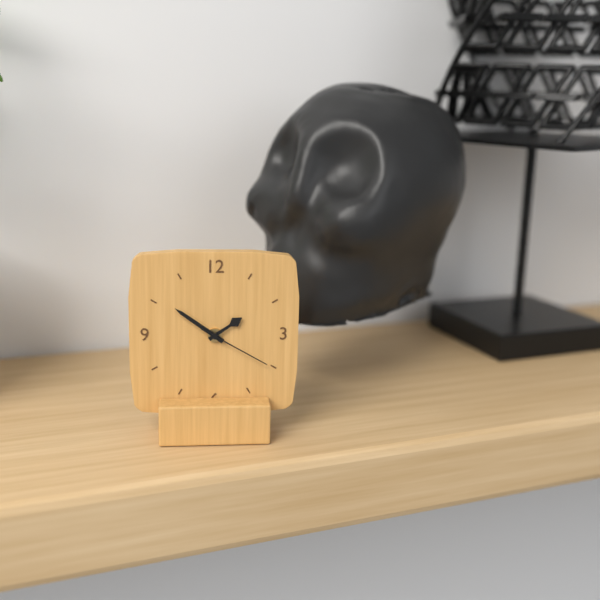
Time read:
**1:51:20**
